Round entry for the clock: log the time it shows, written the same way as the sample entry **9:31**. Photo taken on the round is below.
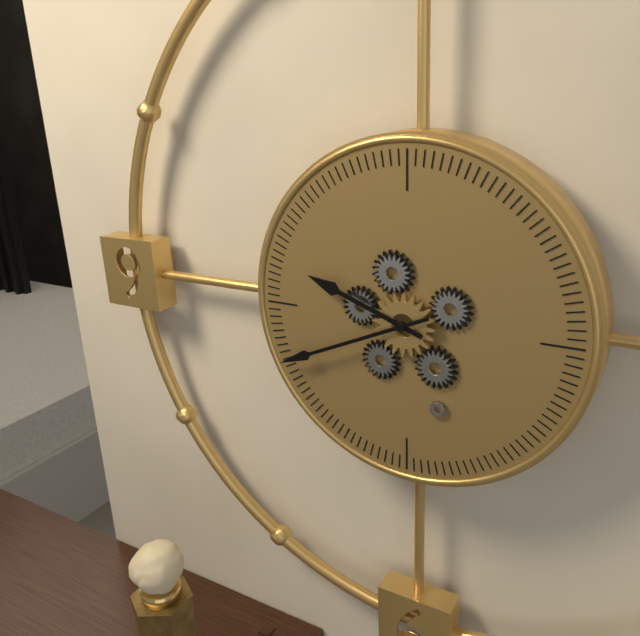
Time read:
**9:41**
